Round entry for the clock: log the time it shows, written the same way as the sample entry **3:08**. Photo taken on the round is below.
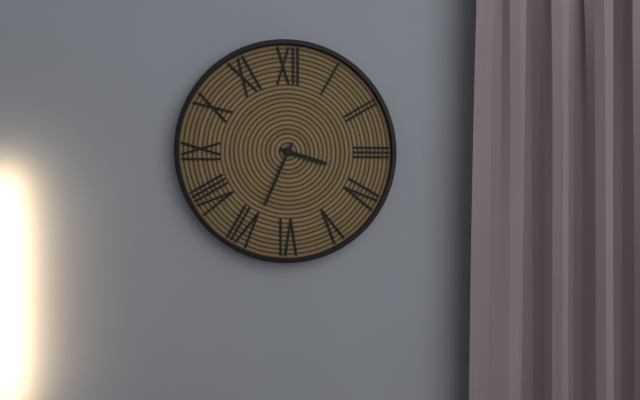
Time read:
**3:34**
